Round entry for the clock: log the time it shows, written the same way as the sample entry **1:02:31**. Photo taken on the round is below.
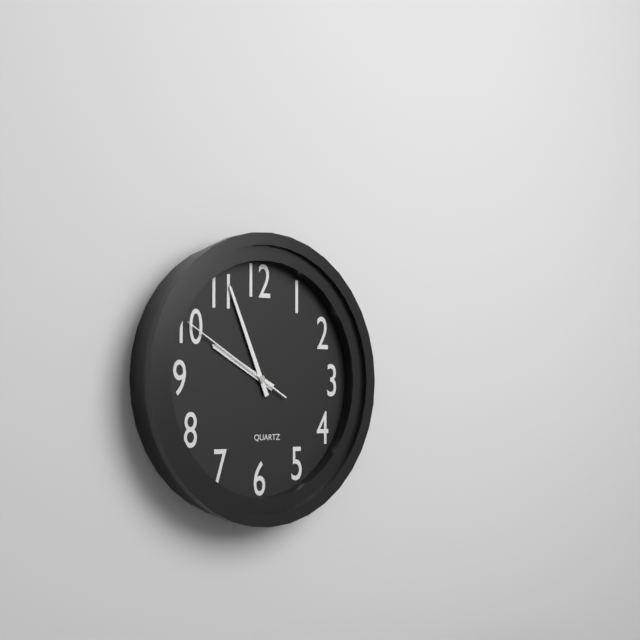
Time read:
**9:56:50**
